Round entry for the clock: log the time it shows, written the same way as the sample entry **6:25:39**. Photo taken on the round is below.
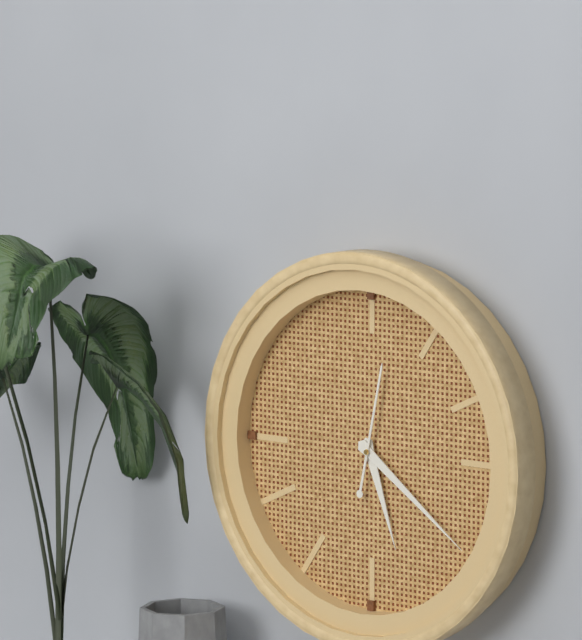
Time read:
**5:21:02**
